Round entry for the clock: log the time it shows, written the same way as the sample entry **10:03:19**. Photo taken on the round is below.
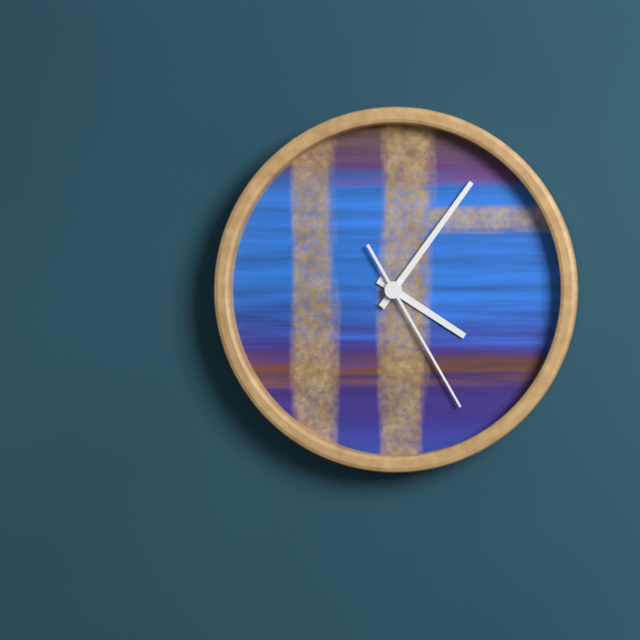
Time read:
**4:06:25**
